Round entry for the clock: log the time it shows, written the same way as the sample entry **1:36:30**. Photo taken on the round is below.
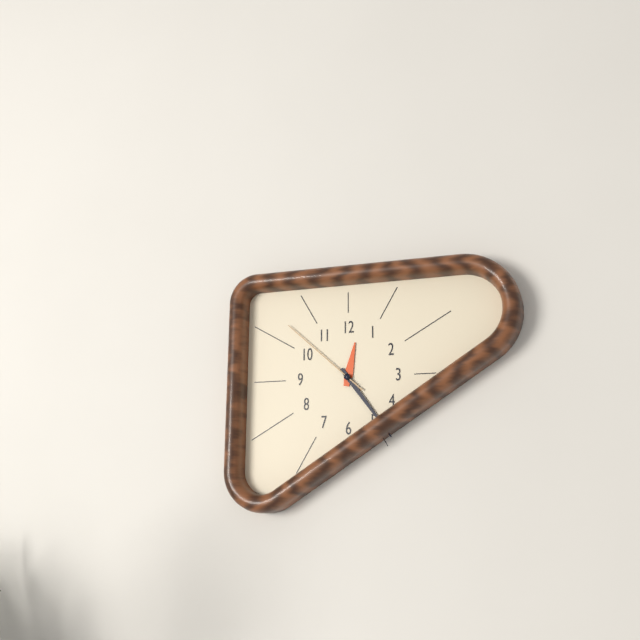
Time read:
**12:24:52**
